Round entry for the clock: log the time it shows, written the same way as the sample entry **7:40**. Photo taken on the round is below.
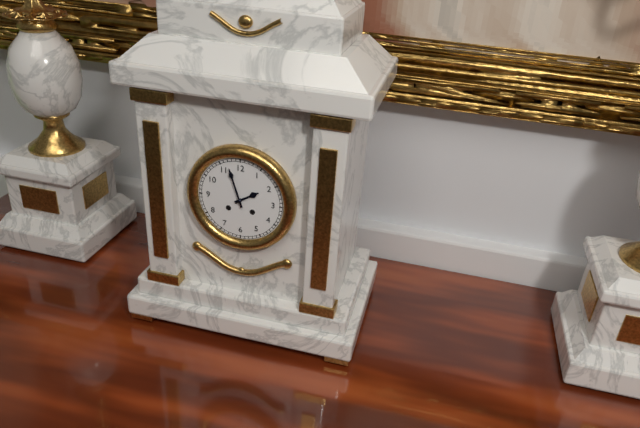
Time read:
**1:57**
